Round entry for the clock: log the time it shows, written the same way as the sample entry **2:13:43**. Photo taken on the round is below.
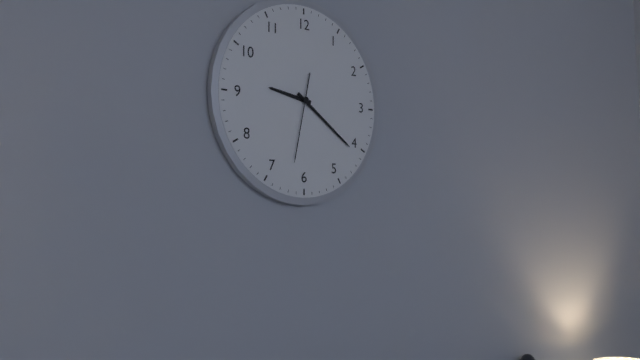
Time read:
**9:21:32**
